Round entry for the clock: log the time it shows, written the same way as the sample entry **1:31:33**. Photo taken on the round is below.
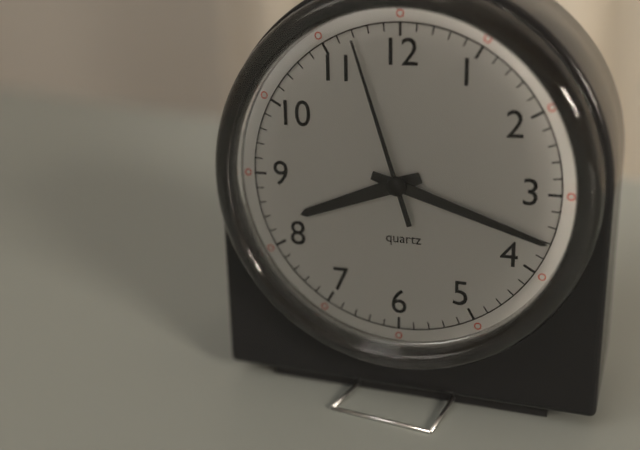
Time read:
**8:18:57**
